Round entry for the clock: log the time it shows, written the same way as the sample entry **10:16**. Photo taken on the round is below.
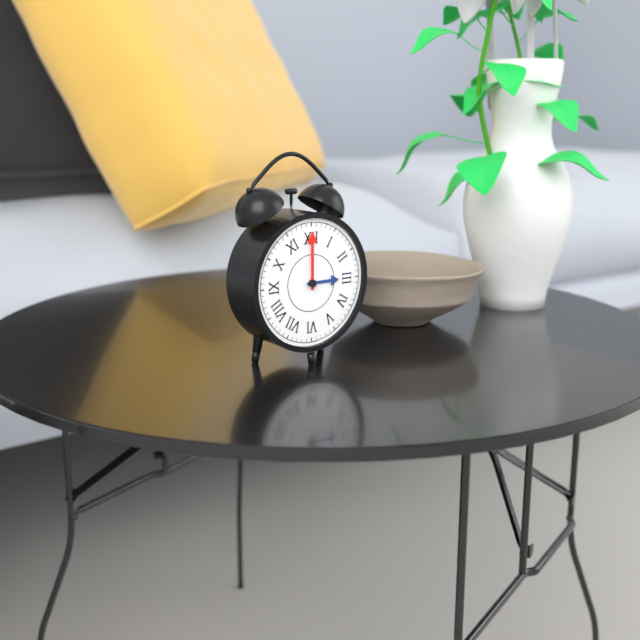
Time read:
**3:00**
